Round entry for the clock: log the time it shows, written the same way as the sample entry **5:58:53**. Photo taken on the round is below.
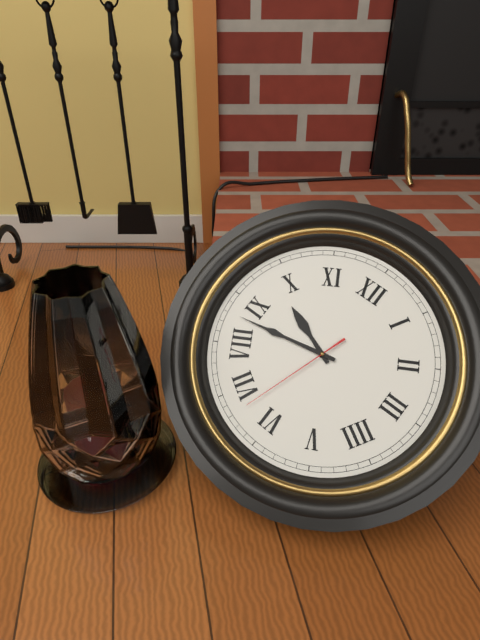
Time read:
**9:43:33**
